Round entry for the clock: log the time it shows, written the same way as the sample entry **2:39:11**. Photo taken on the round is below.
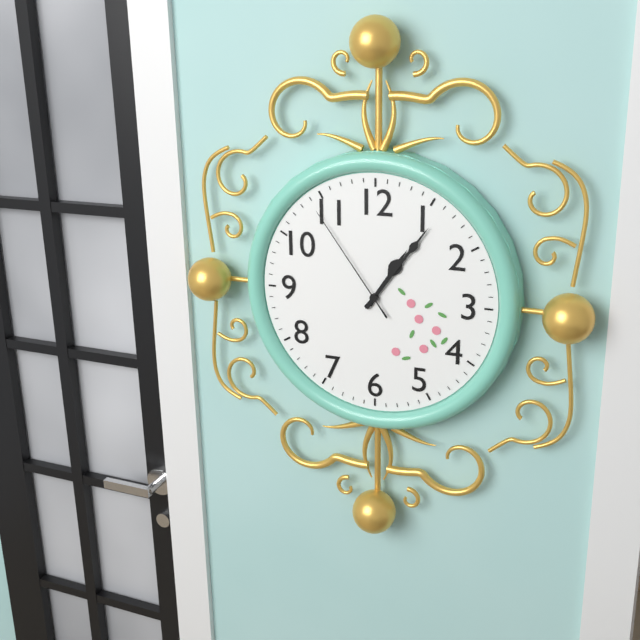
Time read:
**1:06:54**
